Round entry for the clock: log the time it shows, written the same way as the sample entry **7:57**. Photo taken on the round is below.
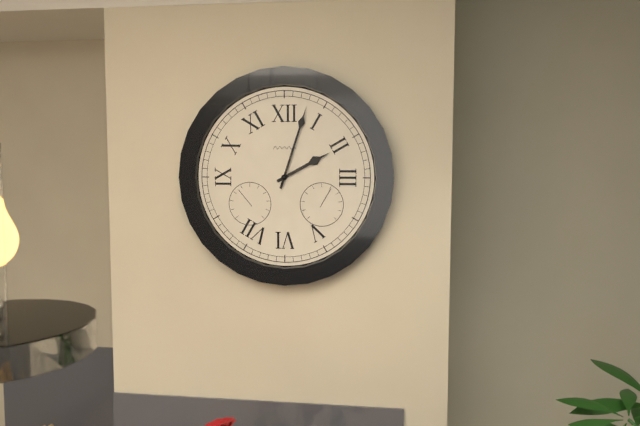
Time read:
**2:03**
